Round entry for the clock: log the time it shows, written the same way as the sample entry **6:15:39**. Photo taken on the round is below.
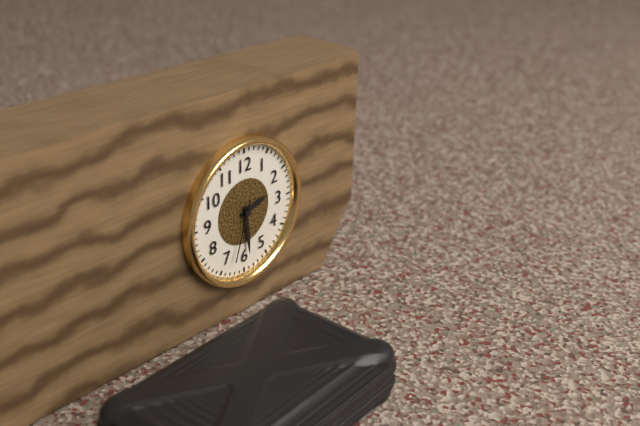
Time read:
**2:29:33**
